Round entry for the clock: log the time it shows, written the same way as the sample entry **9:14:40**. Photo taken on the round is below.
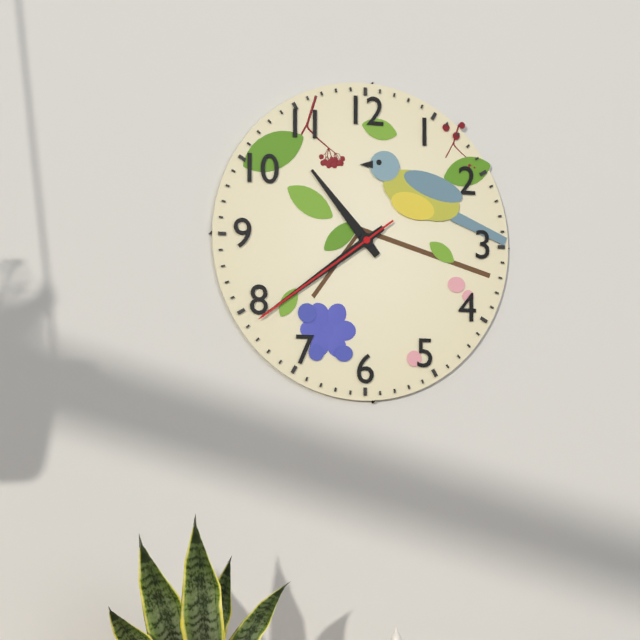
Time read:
**10:39:39**
